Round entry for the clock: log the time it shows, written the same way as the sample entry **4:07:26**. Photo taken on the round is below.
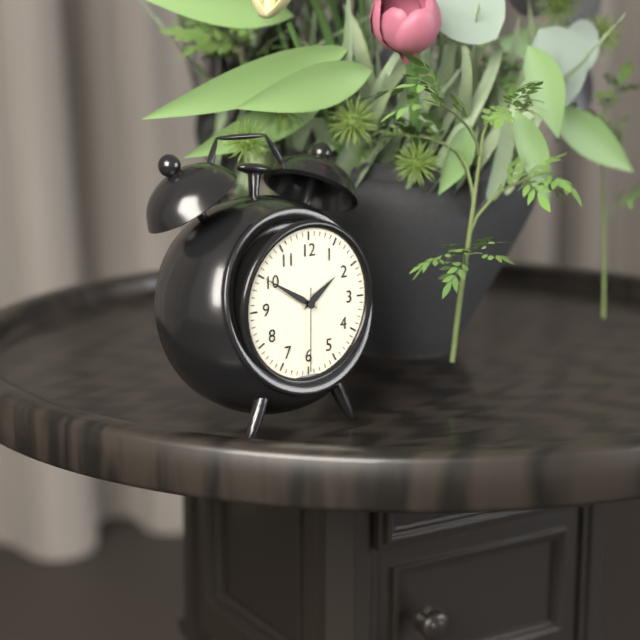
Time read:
**1:50:30**
